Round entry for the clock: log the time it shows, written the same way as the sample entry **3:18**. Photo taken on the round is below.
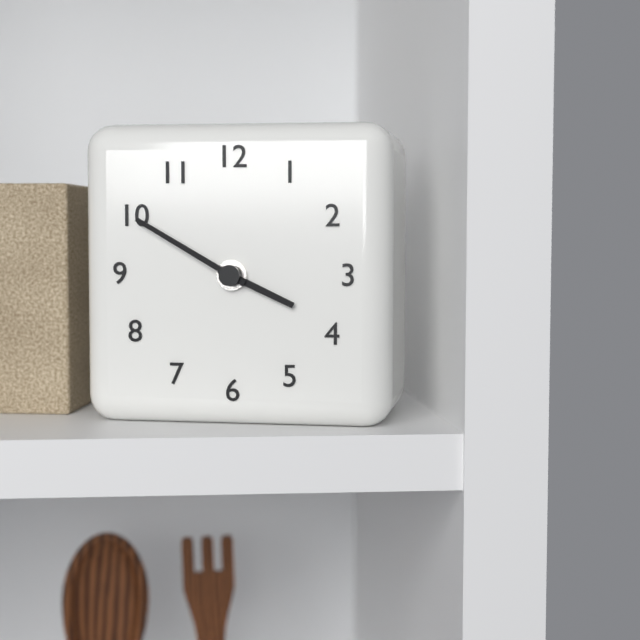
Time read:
**3:50**
